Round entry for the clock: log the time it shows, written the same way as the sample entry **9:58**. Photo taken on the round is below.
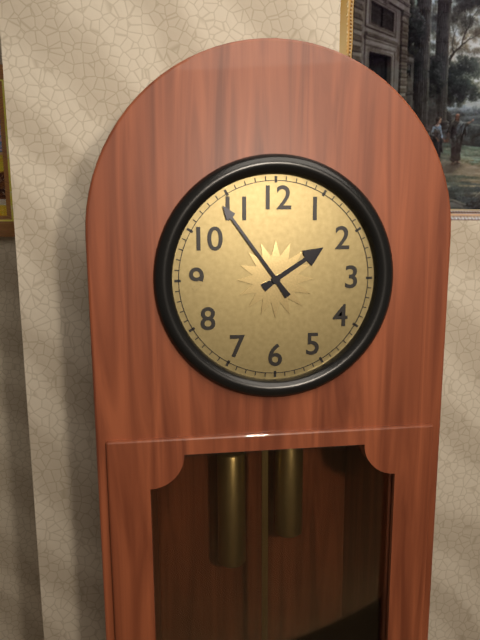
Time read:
**1:54**
